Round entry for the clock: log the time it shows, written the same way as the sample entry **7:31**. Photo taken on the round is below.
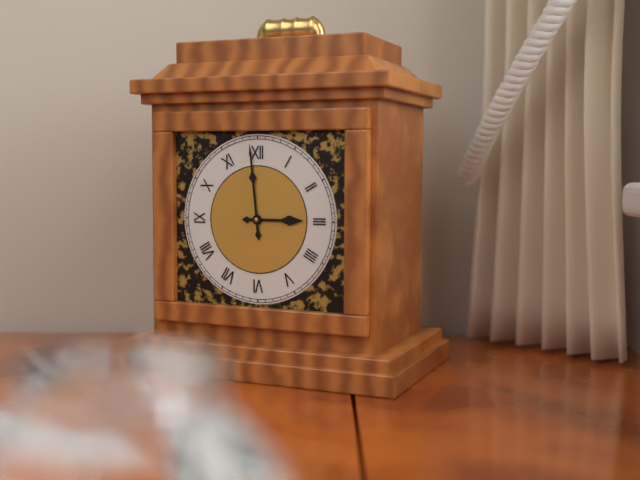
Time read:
**2:59**
